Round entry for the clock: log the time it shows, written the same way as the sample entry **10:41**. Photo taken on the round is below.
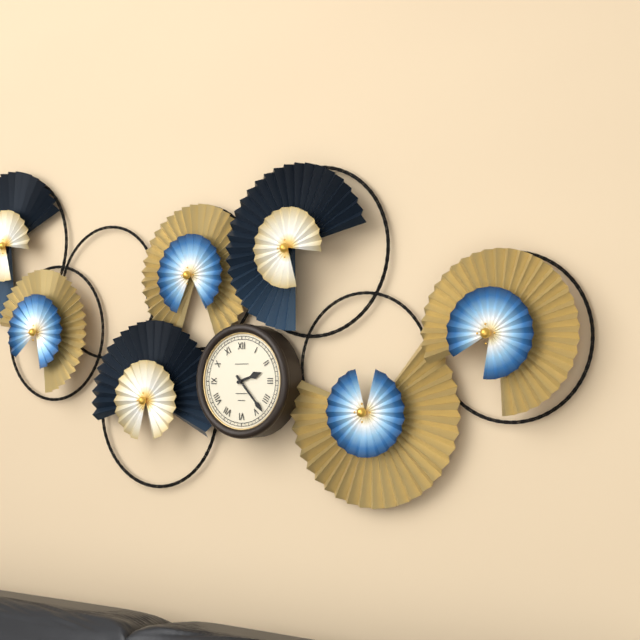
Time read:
**2:23**
